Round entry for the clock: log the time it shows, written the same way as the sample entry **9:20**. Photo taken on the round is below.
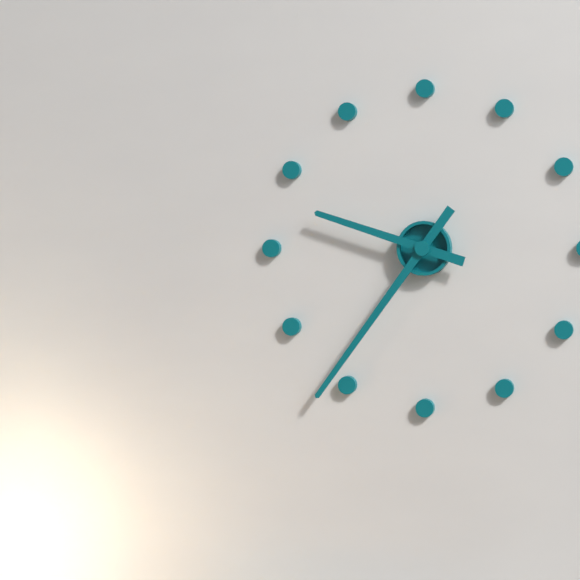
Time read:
**9:36**
